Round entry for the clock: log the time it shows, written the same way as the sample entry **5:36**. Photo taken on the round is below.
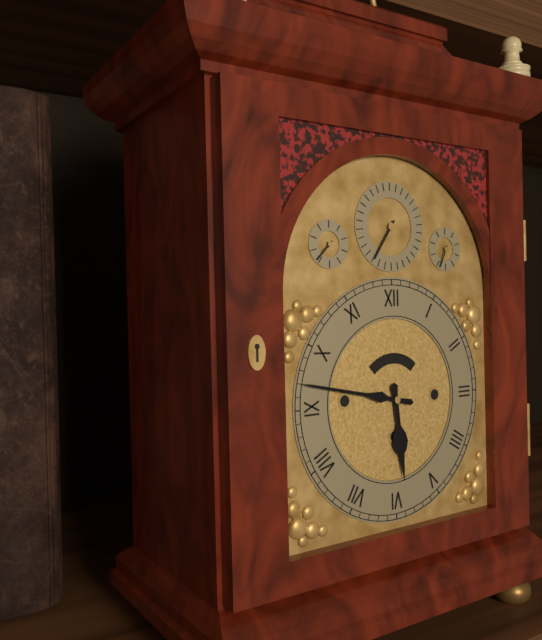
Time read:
**5:47**
